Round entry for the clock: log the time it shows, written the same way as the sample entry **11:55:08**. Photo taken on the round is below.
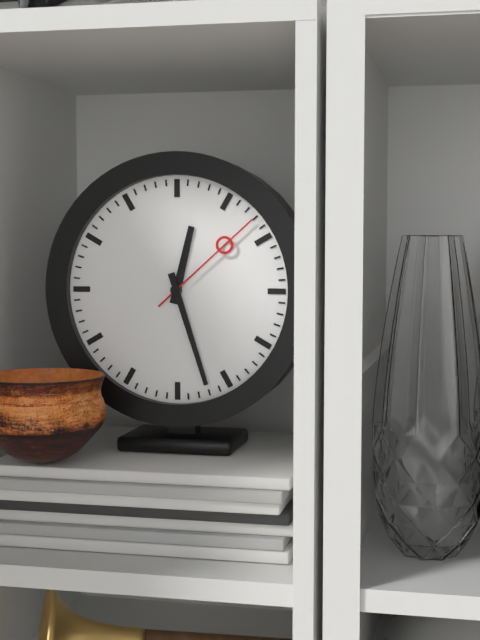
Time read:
**12:27:08**
